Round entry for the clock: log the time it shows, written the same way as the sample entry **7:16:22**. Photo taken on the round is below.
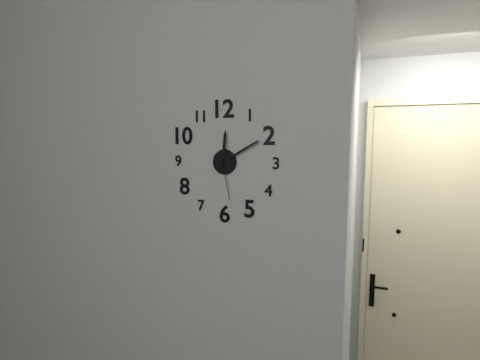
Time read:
**12:10:28**
